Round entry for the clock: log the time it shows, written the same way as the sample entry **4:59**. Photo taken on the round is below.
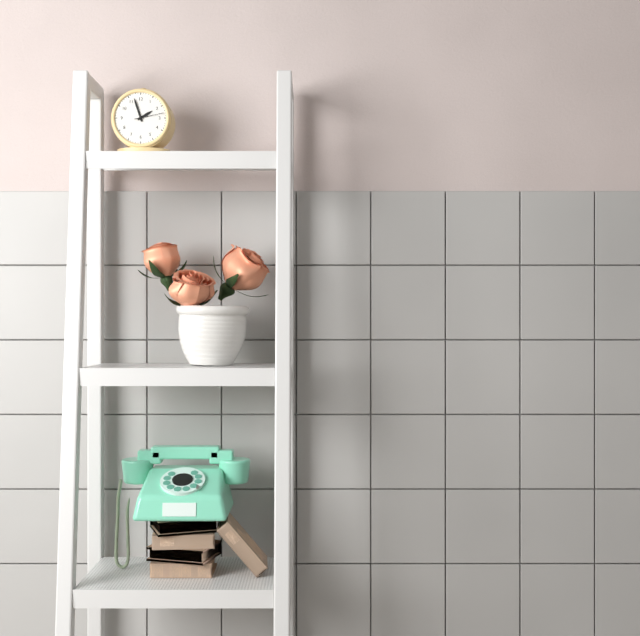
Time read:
**1:57**
